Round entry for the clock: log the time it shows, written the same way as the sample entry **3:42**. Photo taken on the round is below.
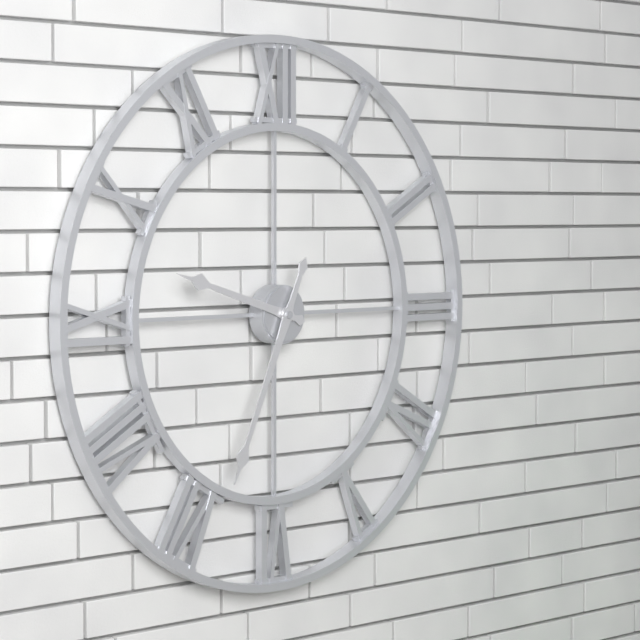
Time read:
**9:34**
